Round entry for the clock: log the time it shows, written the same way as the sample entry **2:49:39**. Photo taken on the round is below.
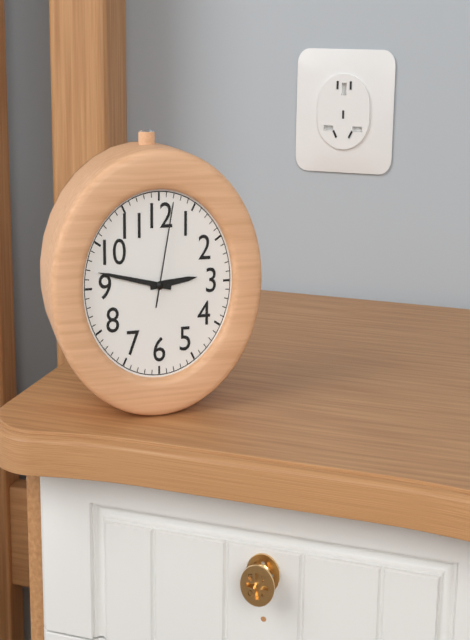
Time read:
**2:47:02**
